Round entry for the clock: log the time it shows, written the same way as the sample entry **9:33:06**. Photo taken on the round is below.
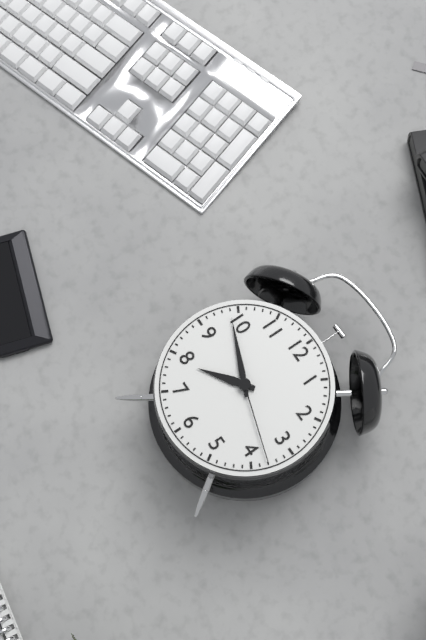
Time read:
**7:49:18**
